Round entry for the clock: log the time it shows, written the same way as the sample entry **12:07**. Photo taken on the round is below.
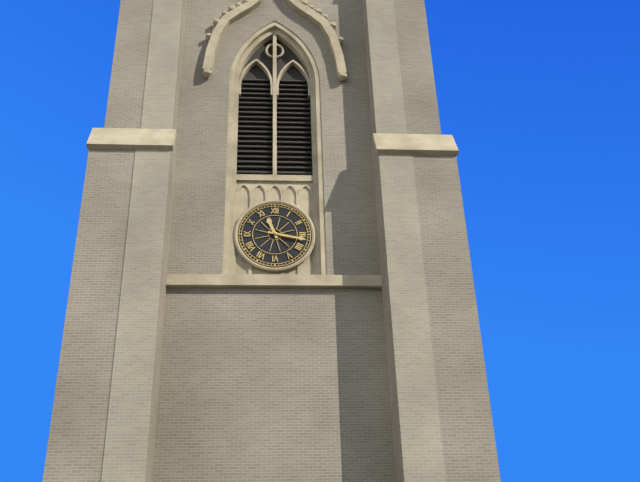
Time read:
**11:17**
